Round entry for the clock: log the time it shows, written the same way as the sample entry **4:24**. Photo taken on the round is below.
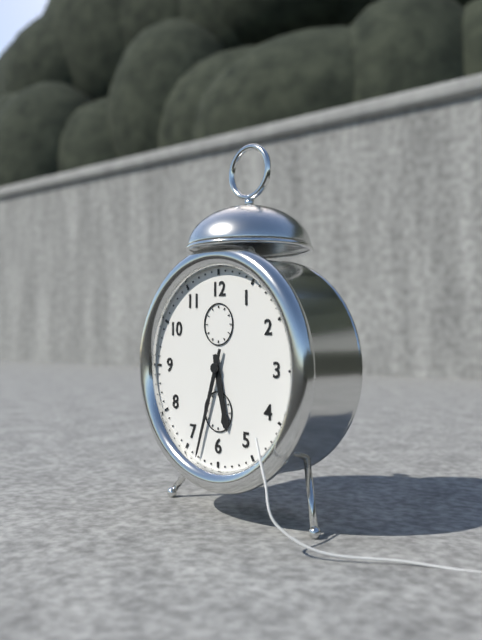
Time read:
**5:33**
